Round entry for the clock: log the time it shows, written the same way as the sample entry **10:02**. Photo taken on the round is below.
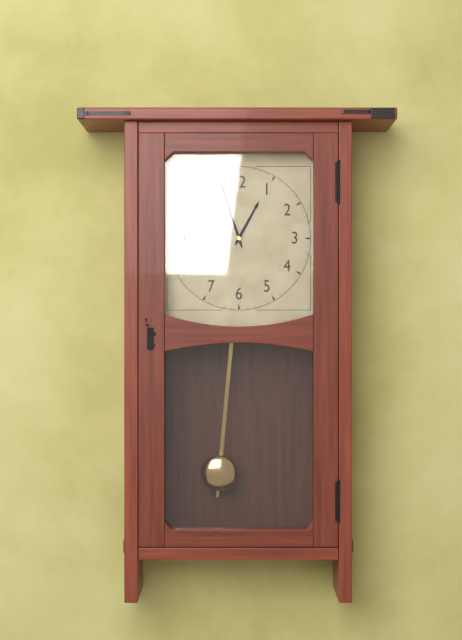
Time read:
**12:57**
